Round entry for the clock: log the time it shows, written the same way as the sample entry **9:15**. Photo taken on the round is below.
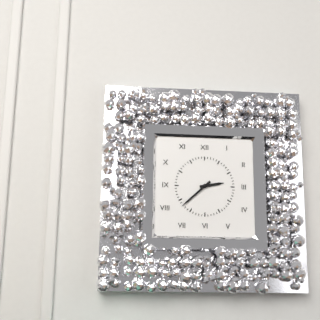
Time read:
**2:38**
